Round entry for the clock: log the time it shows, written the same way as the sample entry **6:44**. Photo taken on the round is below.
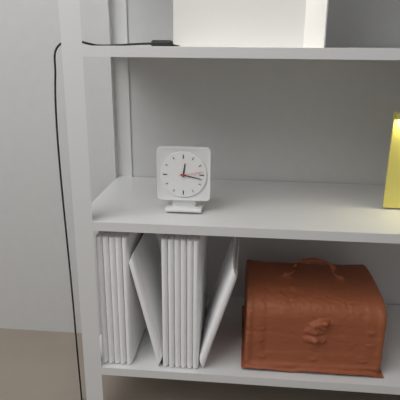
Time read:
**12:17**
